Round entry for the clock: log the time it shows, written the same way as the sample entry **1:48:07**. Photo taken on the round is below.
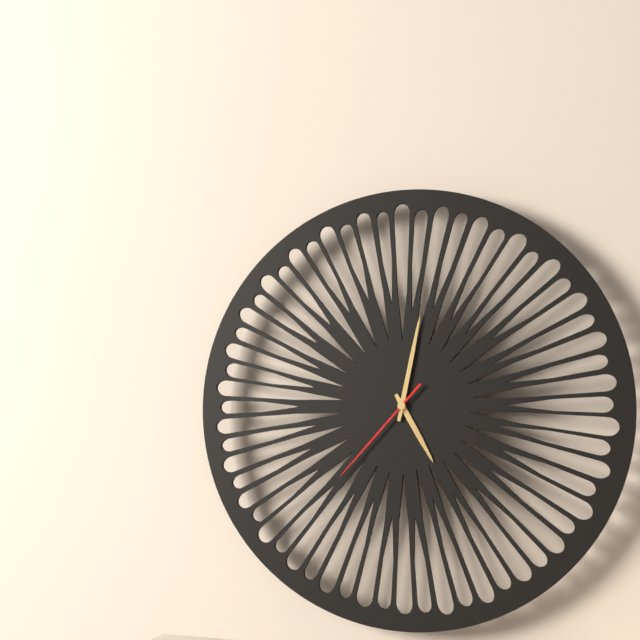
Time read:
**5:02:37**
